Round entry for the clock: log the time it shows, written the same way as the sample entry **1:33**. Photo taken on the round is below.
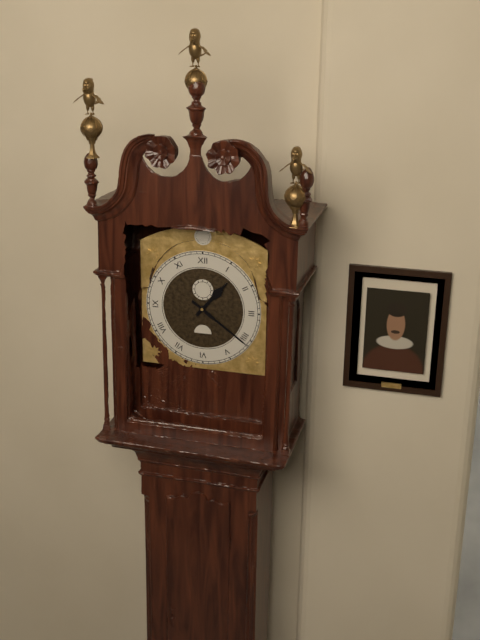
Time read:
**1:21**
